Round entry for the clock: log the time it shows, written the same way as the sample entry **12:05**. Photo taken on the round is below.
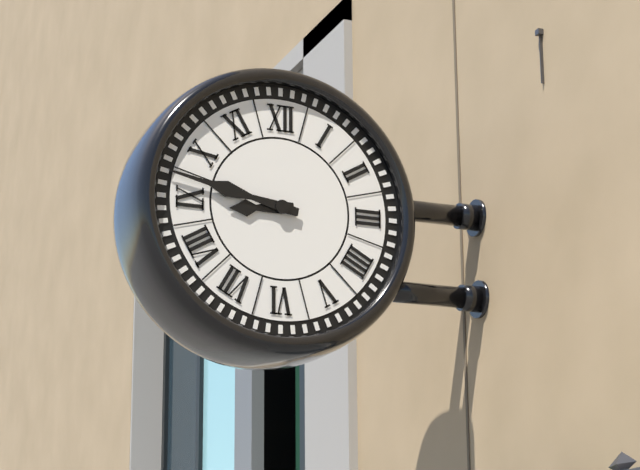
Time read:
**8:47**
